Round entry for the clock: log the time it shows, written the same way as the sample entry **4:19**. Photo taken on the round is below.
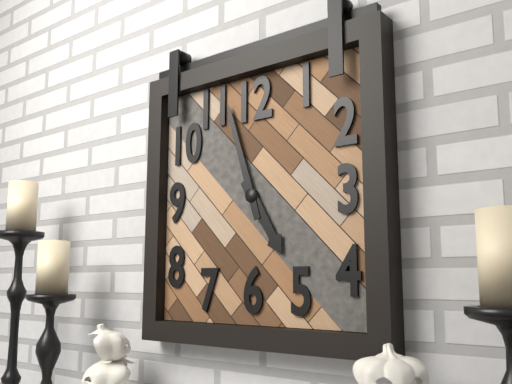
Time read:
**4:57**
